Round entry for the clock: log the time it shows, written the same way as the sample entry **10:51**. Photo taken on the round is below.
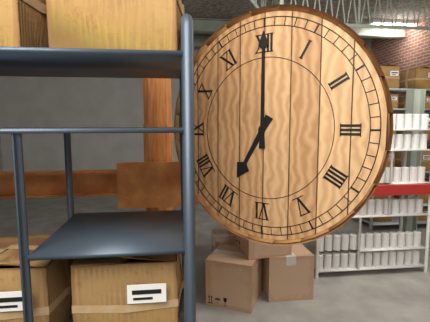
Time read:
**7:00**
